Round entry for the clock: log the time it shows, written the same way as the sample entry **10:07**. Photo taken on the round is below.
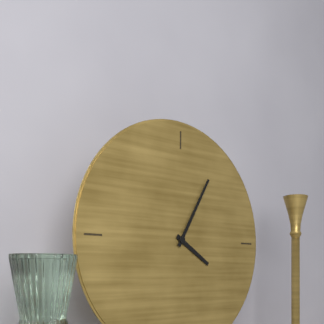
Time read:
**4:05**
